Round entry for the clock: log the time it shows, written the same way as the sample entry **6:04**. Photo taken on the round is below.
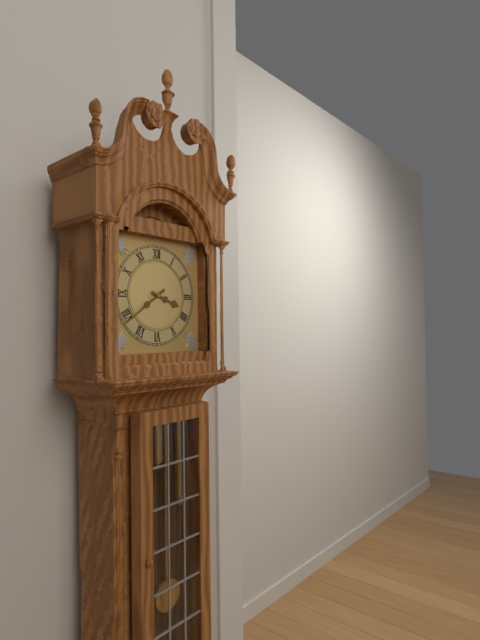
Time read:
**3:39**
